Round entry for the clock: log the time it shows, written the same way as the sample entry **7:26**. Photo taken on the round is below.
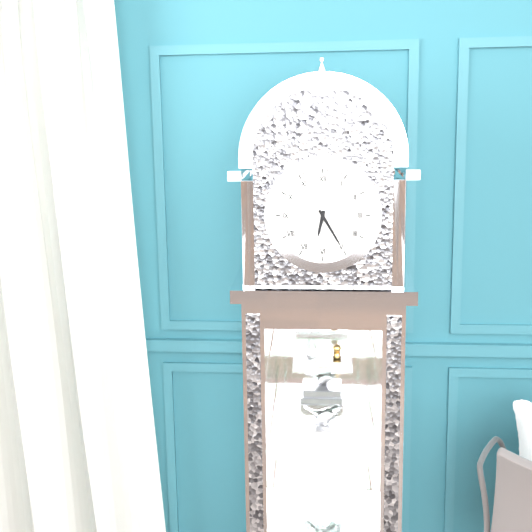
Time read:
**6:25**
